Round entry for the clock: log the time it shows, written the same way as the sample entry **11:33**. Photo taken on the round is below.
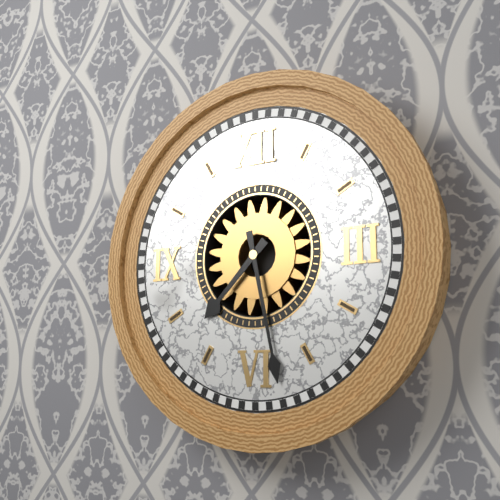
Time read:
**7:28**
